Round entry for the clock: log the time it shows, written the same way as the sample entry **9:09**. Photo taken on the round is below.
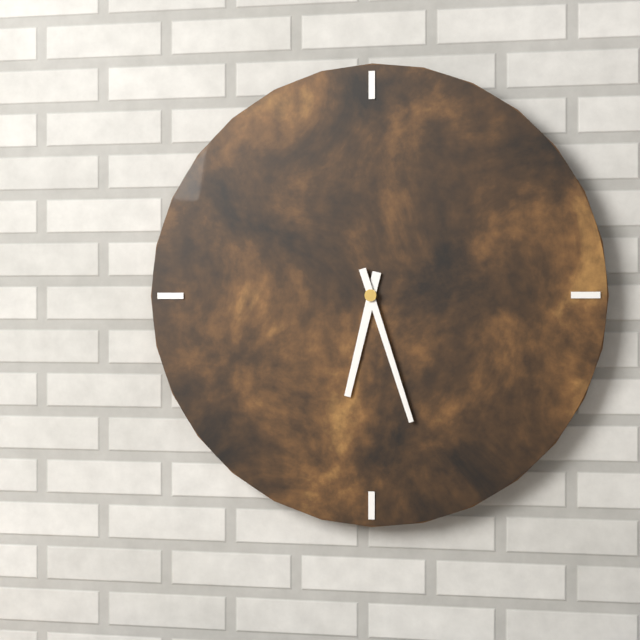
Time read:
**6:27**
